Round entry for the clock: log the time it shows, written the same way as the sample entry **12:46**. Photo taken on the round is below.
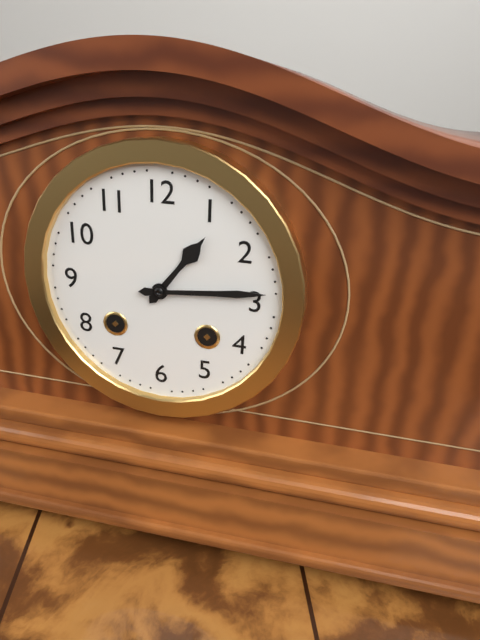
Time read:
**1:14**
